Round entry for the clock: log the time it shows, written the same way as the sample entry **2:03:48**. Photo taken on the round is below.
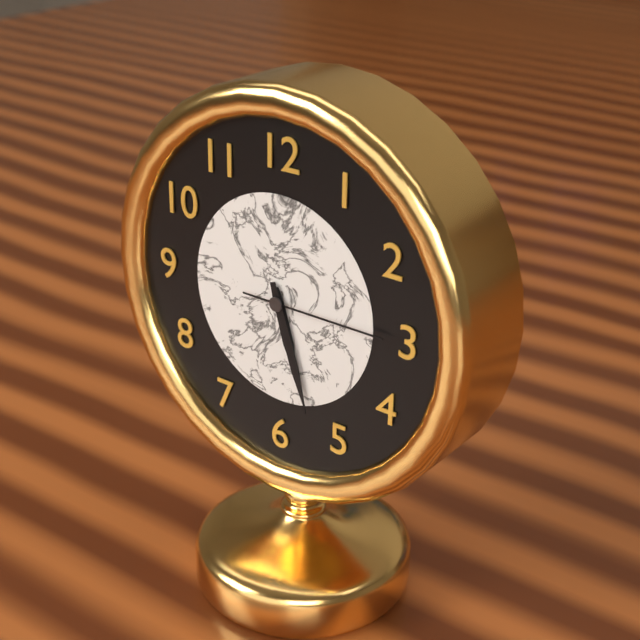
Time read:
**5:27:15**
